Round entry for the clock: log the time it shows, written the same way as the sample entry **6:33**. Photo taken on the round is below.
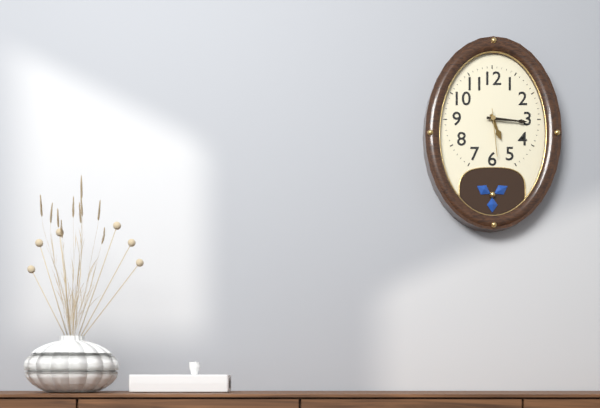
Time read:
**5:16**
